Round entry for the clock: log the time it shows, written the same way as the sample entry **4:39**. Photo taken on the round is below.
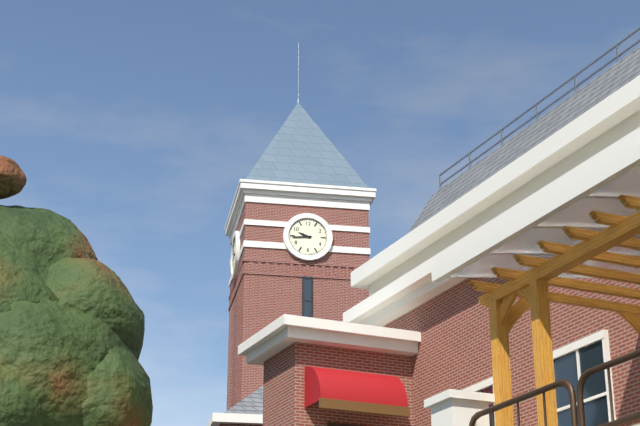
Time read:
**9:44**
